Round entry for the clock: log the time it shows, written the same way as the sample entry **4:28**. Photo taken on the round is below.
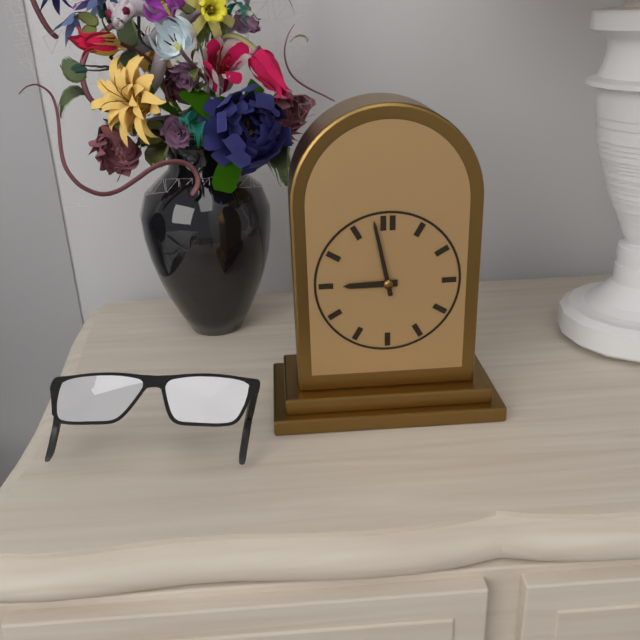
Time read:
**8:58**
